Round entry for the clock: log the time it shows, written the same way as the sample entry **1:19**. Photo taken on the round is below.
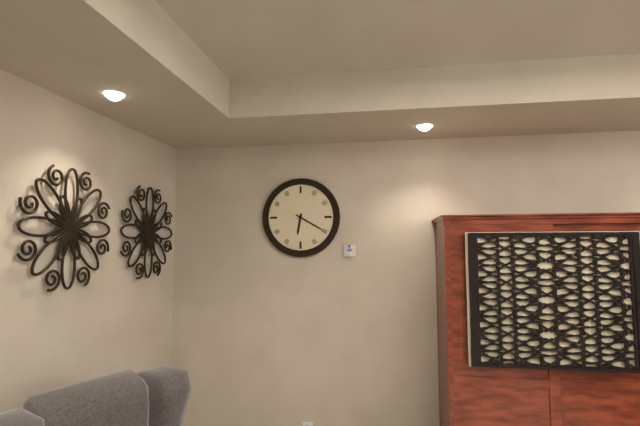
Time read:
**6:20**
